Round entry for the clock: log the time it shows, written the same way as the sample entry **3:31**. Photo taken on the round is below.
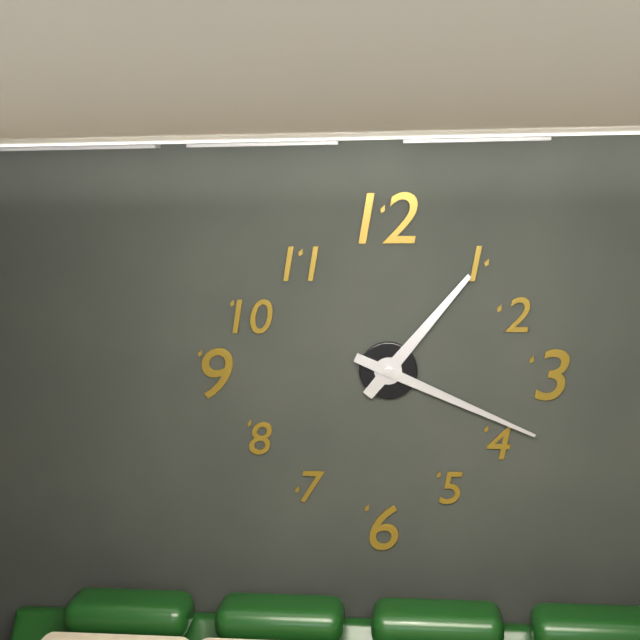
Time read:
**1:19**
